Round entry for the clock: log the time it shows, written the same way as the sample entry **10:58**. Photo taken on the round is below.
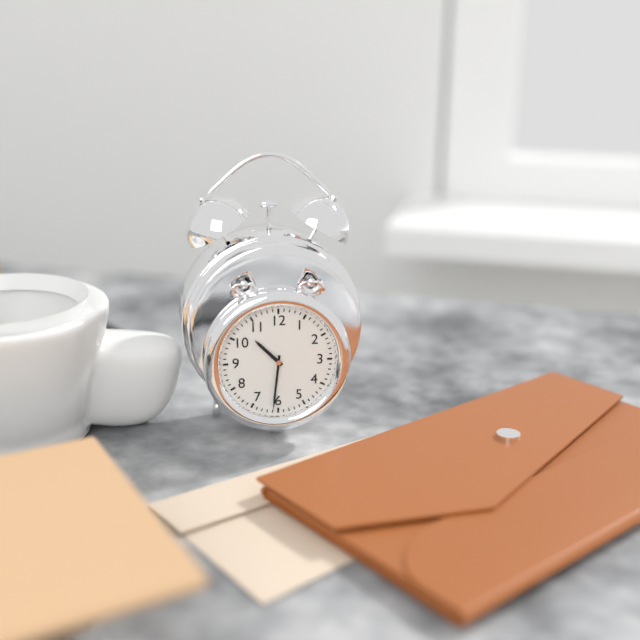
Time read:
**10:31**
